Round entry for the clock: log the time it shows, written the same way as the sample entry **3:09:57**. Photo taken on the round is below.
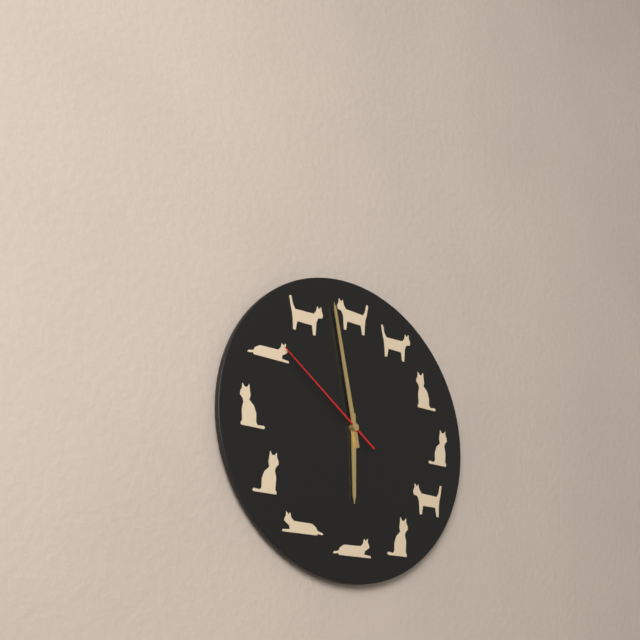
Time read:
**5:58:51**
